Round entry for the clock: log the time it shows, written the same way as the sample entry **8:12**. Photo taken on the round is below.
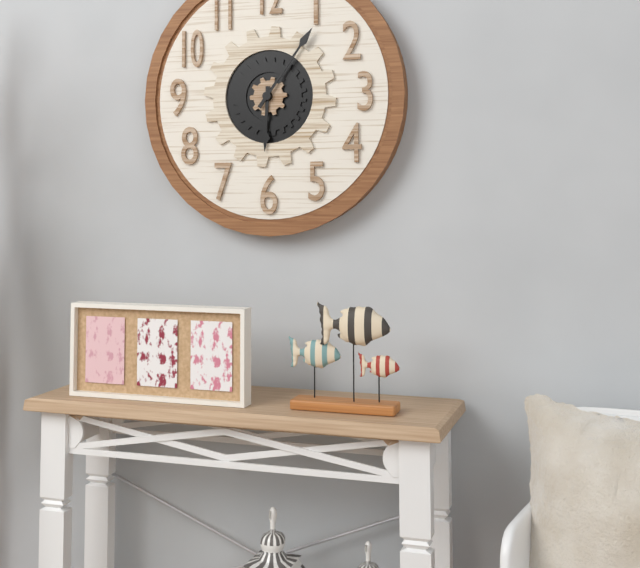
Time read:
**6:06**
